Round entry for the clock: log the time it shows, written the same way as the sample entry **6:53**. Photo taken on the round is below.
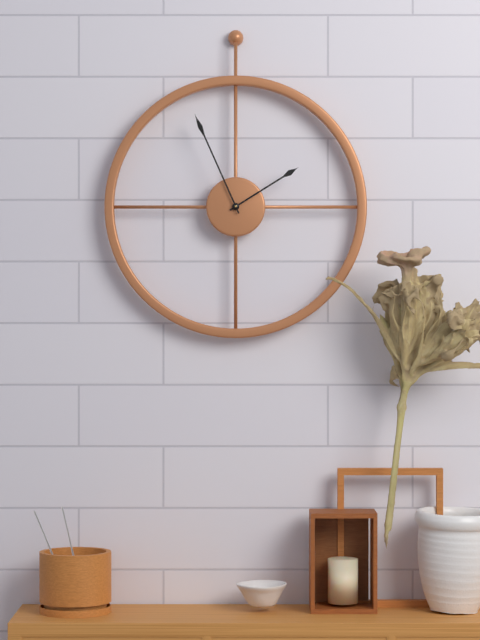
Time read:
**1:56**
